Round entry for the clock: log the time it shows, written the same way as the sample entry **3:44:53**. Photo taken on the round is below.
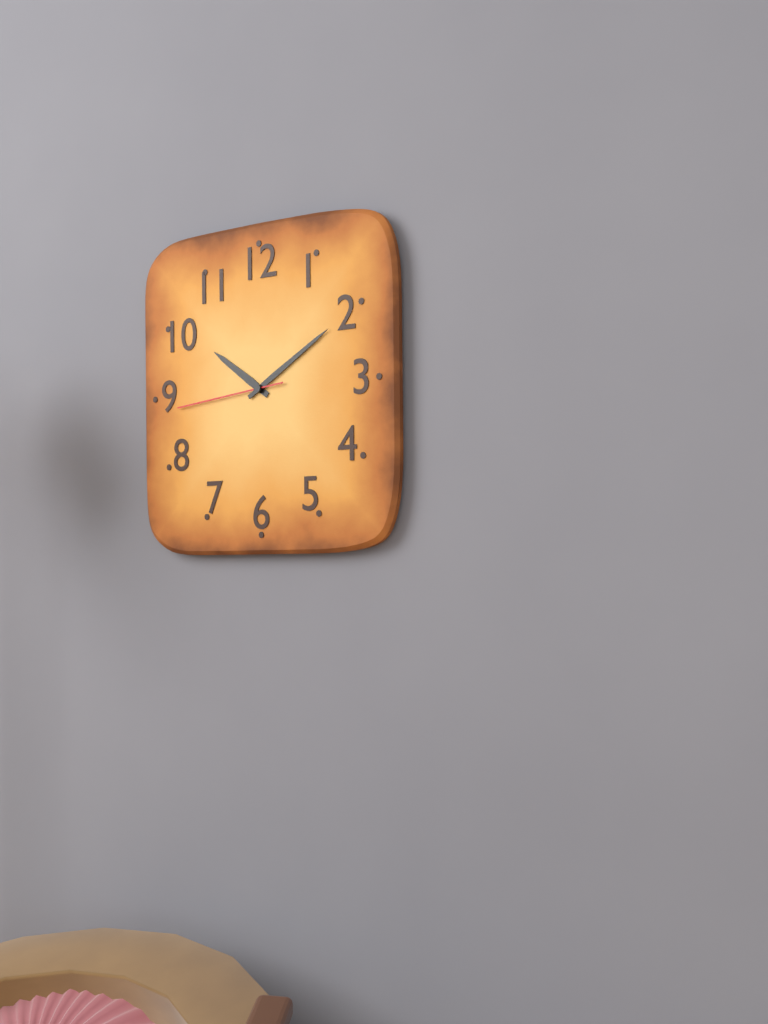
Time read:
**10:10:44**
